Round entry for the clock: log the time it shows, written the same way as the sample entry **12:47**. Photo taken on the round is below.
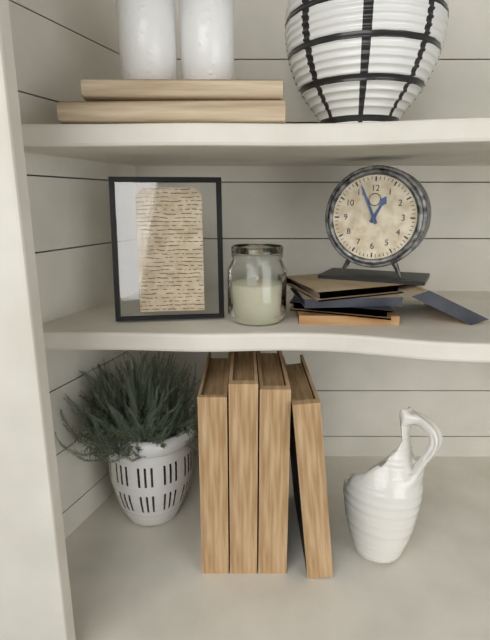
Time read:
**12:56**
